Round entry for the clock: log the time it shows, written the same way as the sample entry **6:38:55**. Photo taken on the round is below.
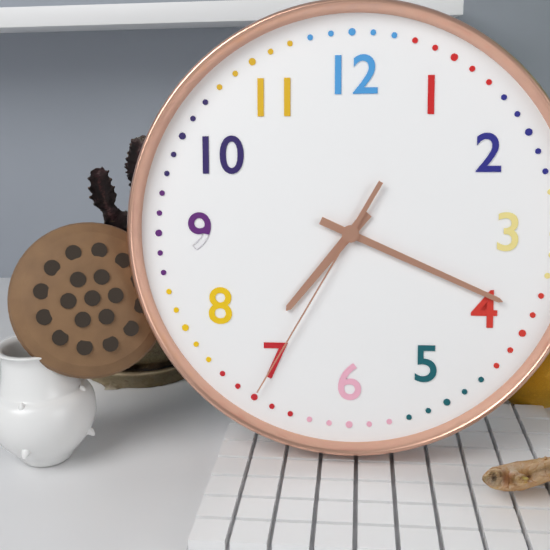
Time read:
**7:19:35**
